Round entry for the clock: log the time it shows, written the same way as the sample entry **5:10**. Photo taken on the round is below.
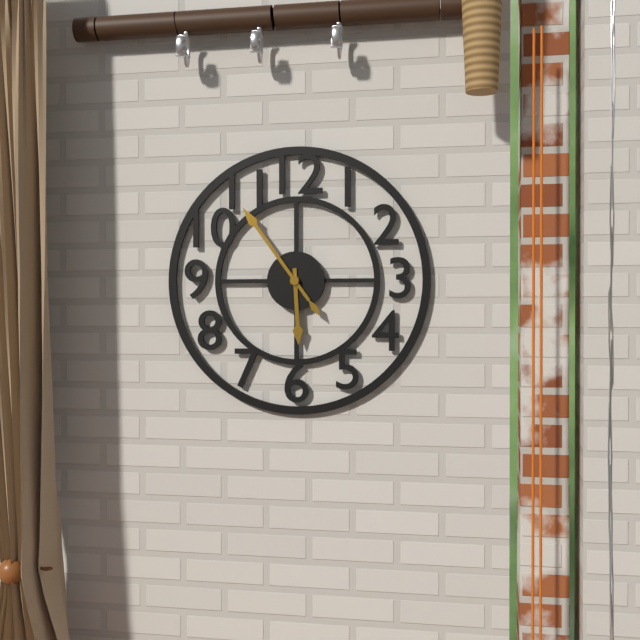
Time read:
**5:54**
